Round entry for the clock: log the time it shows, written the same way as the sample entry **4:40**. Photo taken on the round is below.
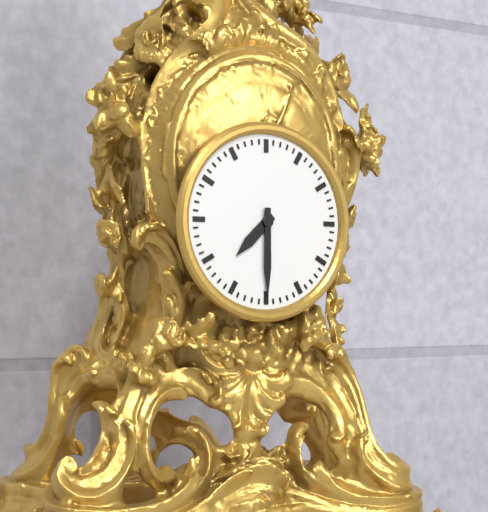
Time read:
**7:30**
